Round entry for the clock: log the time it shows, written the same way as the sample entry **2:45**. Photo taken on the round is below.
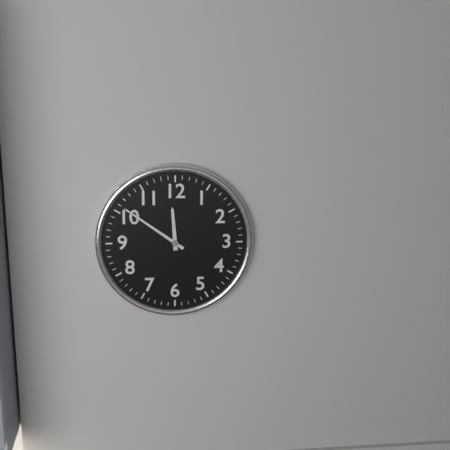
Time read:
**11:51**
